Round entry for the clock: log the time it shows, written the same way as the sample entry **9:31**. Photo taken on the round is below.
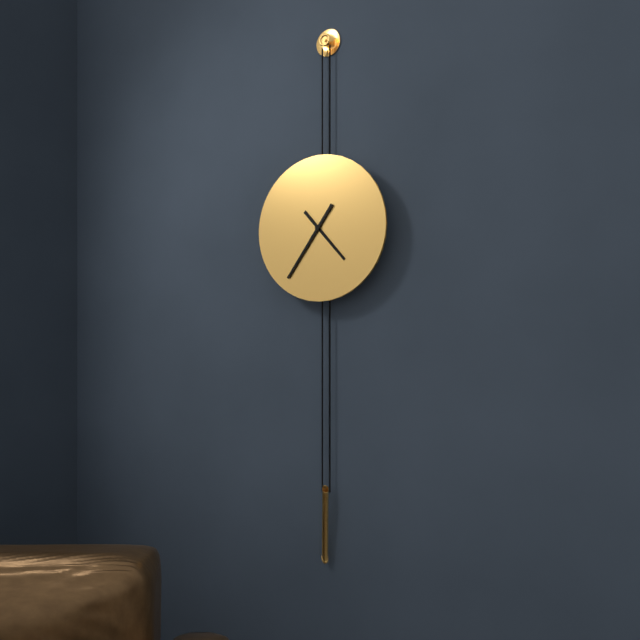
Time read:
**4:36**
